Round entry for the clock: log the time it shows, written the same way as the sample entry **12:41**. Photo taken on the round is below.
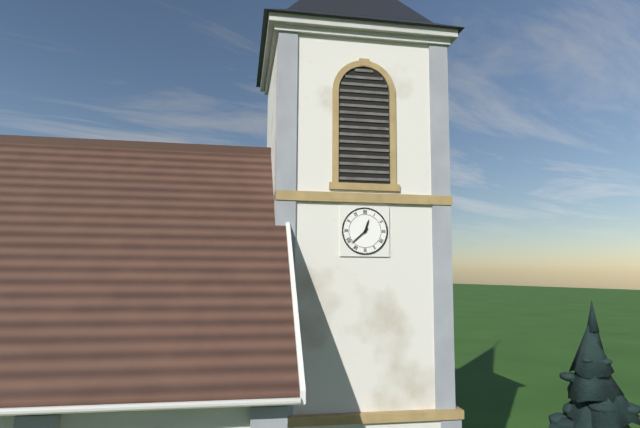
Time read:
**12:38**
